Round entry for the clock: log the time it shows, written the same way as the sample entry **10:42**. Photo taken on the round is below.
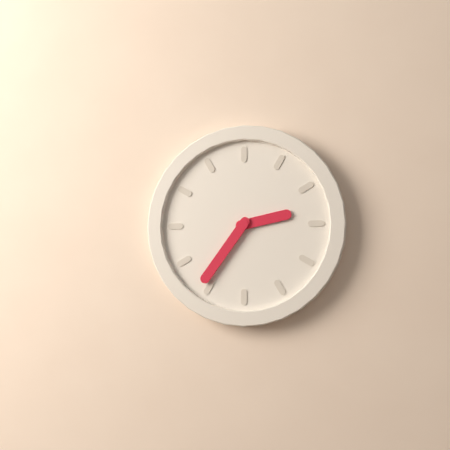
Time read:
**2:36**
